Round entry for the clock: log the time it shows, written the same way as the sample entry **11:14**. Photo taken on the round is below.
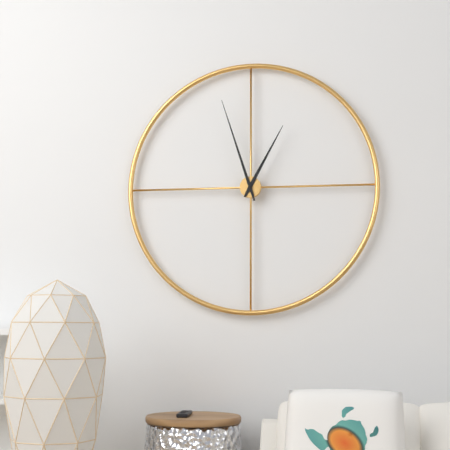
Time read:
**12:57**
